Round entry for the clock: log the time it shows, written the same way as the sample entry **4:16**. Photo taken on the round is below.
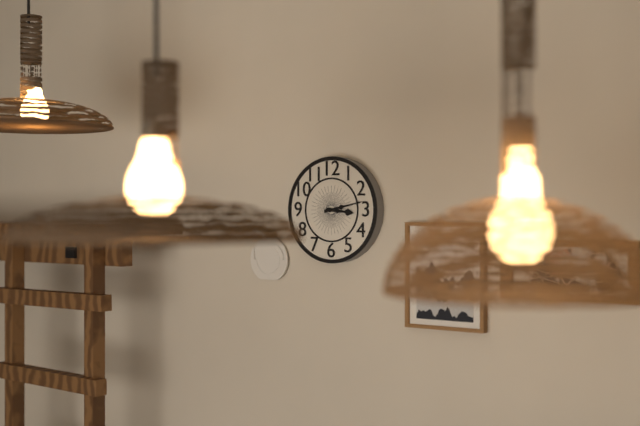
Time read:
**3:13**
